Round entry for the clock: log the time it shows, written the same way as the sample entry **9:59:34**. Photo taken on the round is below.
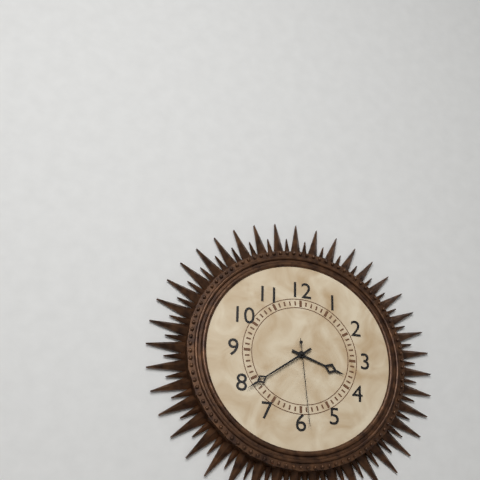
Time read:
**3:39:29**
